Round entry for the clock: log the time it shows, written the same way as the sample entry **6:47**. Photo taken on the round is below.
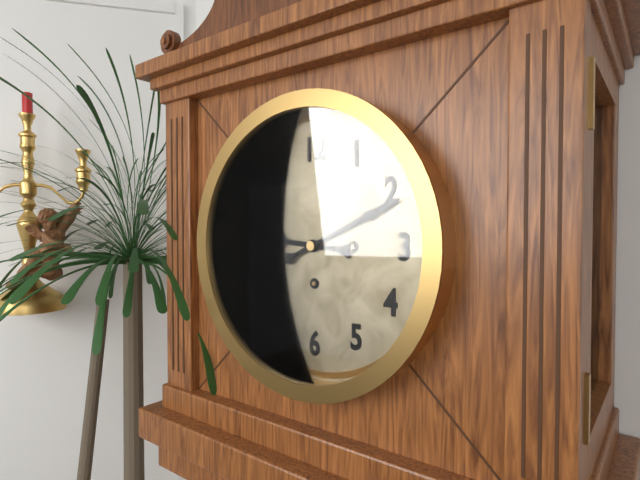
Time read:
**9:11**
